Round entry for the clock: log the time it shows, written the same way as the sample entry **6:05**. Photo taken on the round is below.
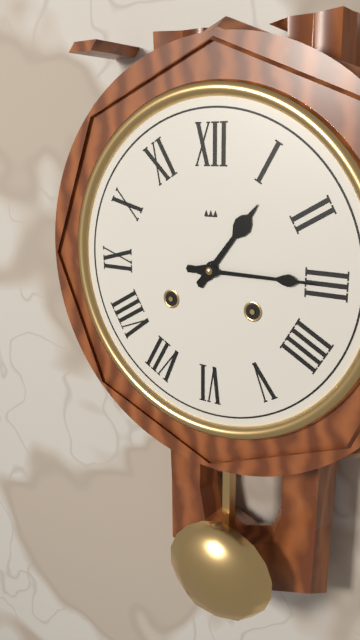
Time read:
**1:15**
